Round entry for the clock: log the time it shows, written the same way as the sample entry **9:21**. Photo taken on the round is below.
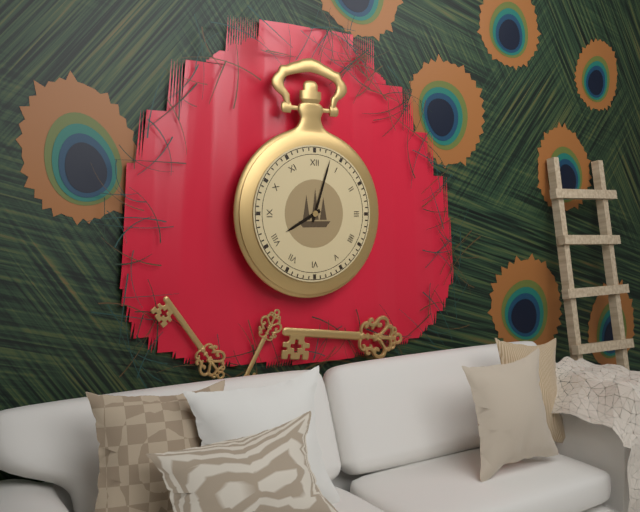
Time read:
**8:03**
